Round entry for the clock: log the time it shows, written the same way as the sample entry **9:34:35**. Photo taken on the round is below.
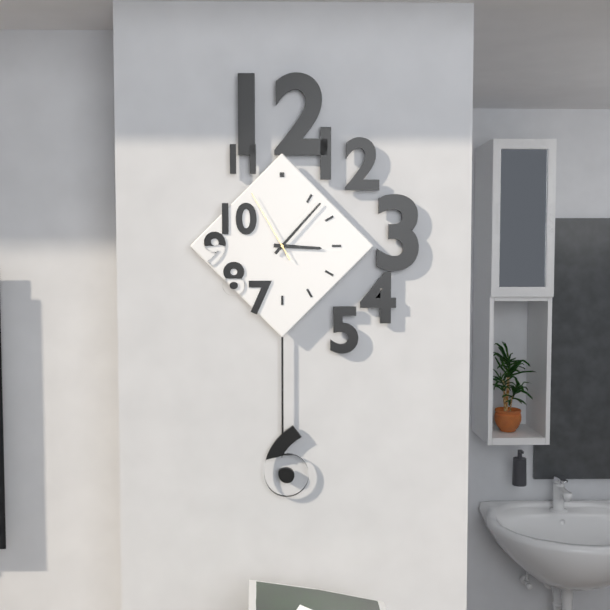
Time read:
**3:07:55**
